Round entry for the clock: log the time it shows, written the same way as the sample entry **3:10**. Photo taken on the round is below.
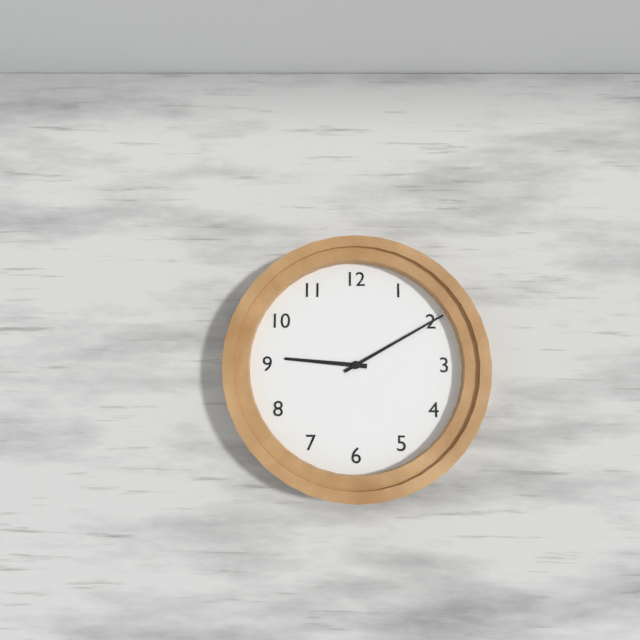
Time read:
**9:10**
